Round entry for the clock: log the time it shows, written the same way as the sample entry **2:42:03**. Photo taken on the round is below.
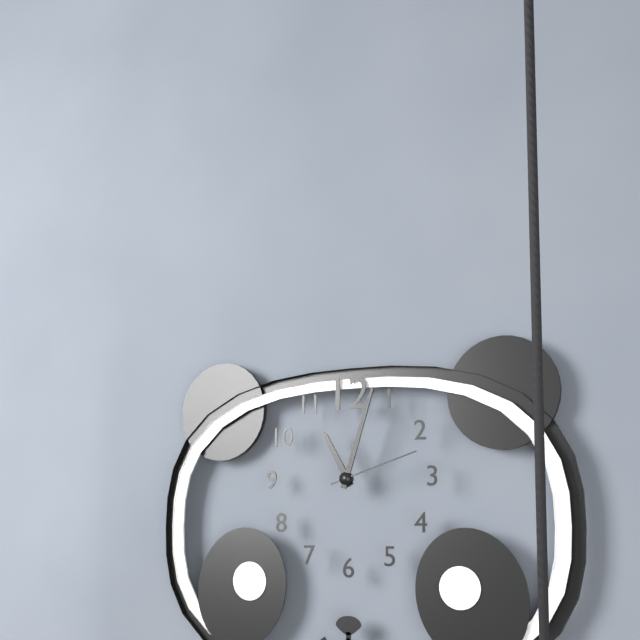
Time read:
**11:03:12**
